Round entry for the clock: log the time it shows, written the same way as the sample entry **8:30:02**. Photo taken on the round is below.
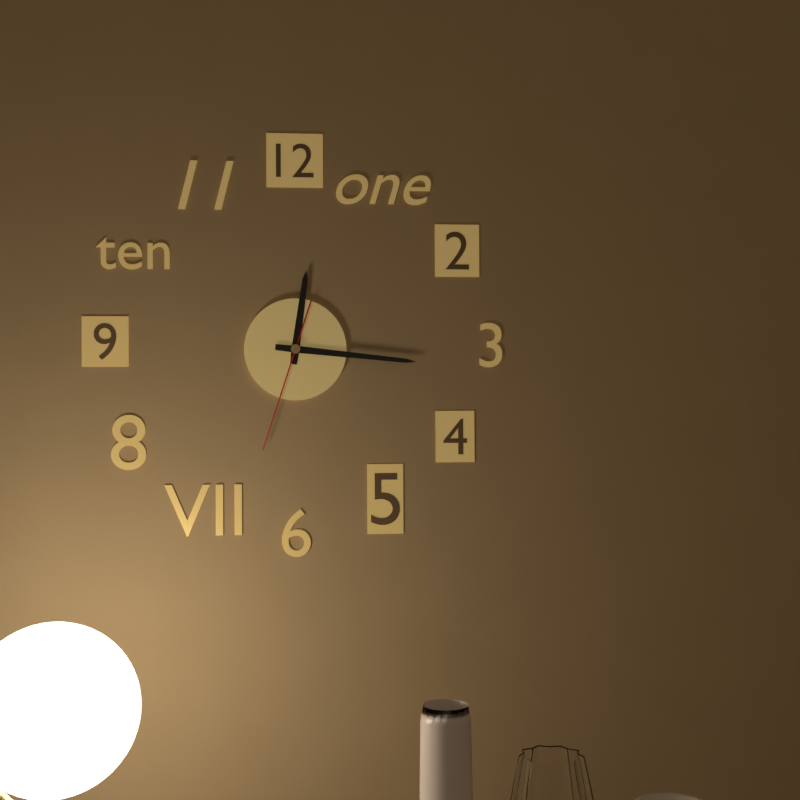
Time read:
**12:16:33**
